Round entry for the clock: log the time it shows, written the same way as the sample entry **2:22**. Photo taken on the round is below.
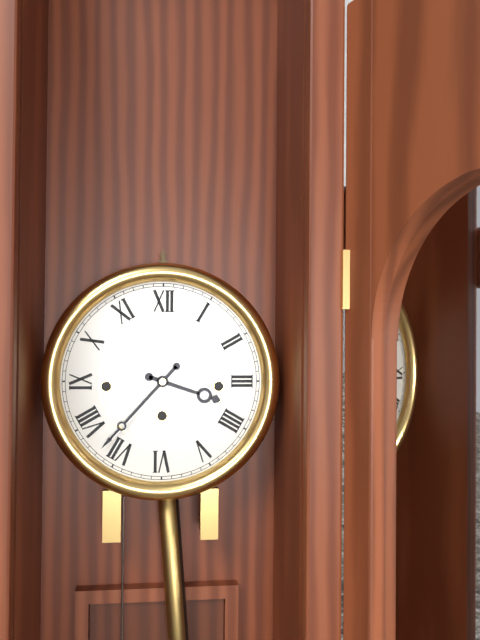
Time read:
**3:37**
